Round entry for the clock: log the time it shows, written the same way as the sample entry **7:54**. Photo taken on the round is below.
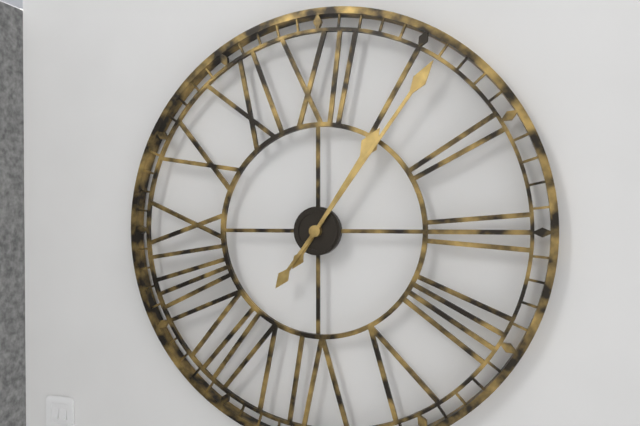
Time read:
**1:06**
